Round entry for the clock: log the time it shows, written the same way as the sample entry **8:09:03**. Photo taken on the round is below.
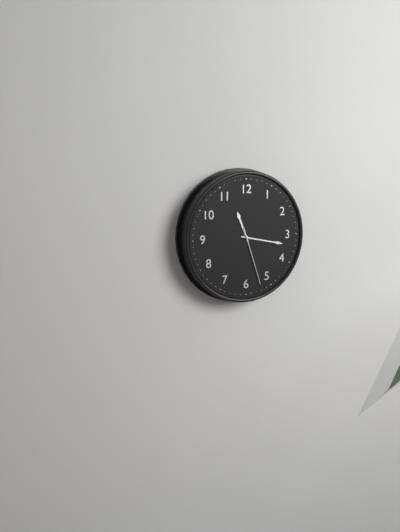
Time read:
**11:17:27**
